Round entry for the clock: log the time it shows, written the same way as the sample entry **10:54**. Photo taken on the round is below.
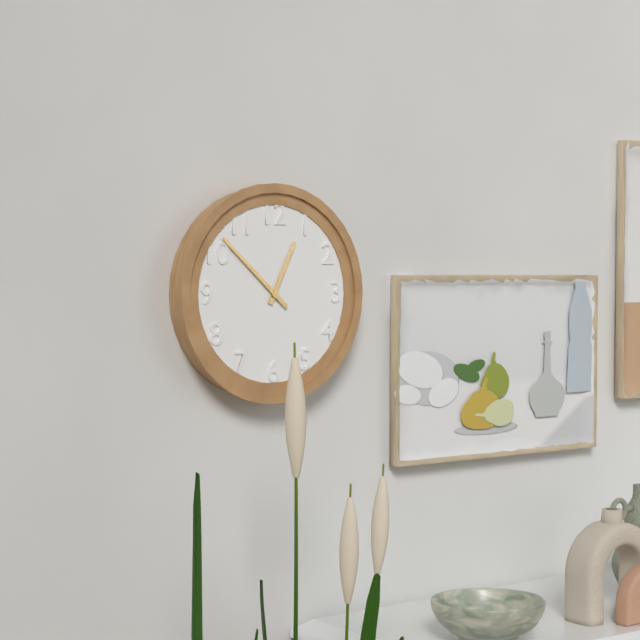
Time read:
**12:52**
